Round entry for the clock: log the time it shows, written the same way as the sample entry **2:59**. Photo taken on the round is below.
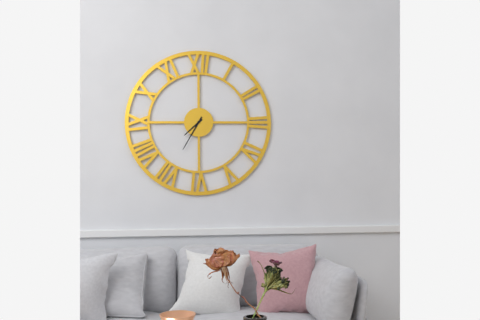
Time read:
**7:35**
